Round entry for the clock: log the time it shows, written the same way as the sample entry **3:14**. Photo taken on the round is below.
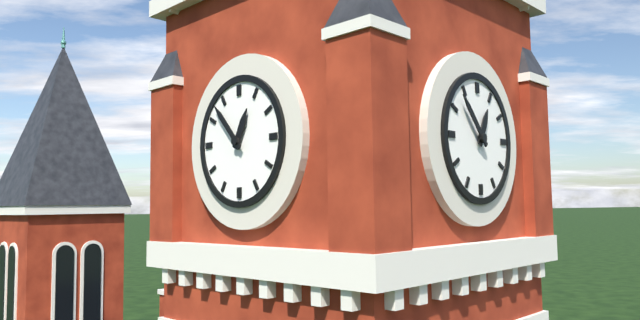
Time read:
**12:53**
